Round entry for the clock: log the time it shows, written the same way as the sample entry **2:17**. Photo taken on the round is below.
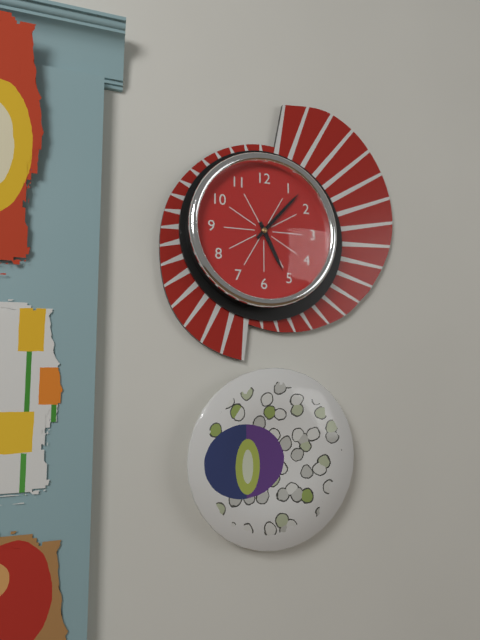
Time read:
**5:07**
